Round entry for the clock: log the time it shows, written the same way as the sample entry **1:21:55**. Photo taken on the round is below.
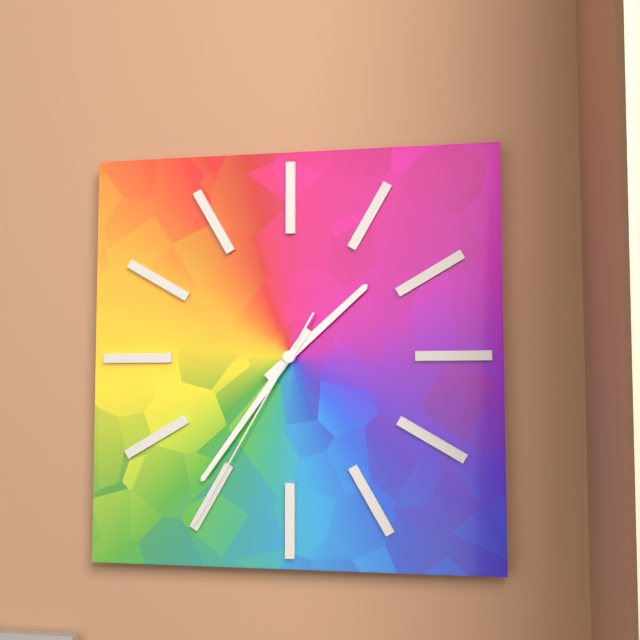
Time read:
**1:36:35**
